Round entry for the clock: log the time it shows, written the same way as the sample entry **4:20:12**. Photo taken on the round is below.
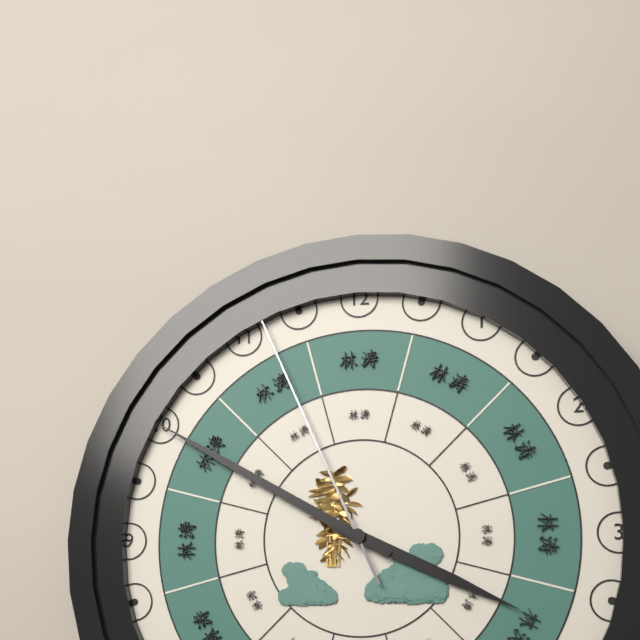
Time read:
**3:50:56**
